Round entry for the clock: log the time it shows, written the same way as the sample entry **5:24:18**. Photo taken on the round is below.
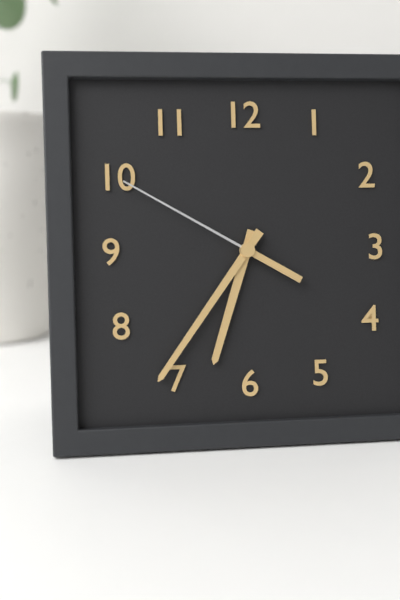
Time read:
**6:36:50**
